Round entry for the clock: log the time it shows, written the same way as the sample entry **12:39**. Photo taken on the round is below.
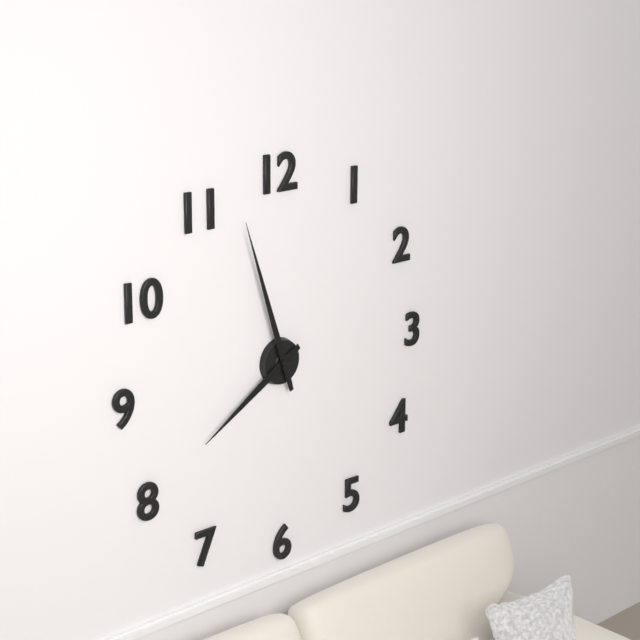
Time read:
**7:57**
